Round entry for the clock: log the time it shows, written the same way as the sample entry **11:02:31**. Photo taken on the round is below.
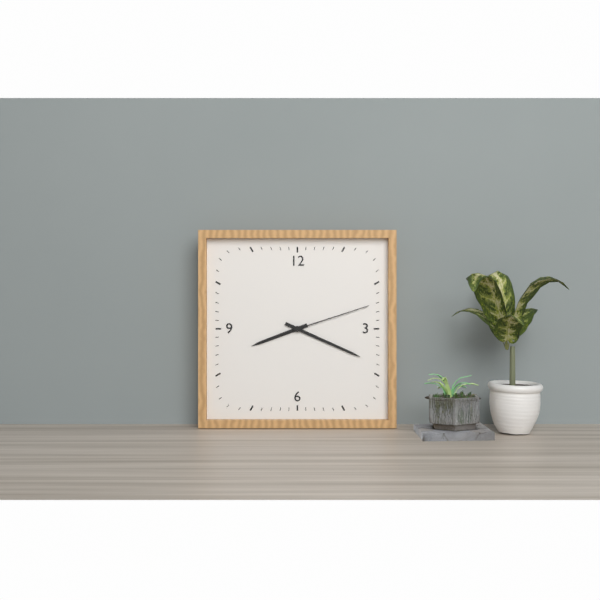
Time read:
**8:19:12**
